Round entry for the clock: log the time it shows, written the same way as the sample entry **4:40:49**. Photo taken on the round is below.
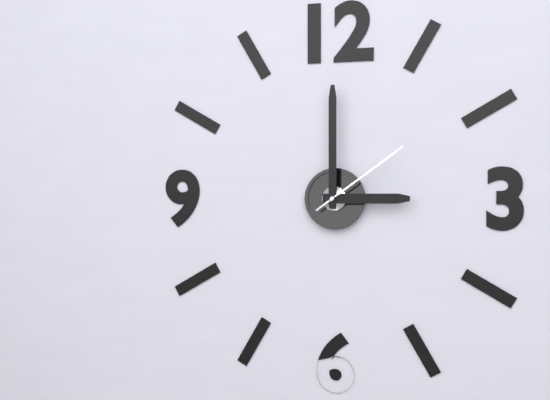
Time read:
**3:00:09**
